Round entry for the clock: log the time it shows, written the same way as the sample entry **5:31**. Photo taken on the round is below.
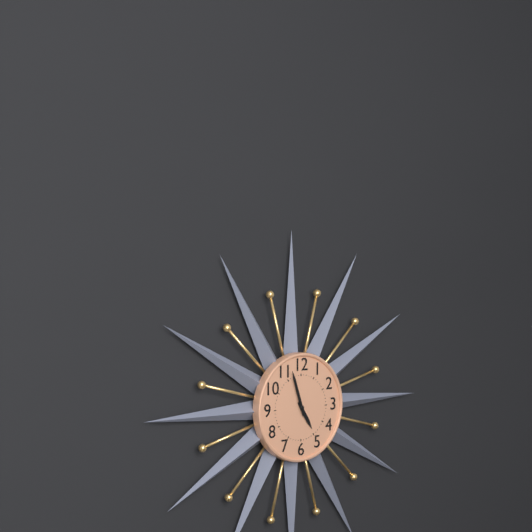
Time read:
**4:57**
